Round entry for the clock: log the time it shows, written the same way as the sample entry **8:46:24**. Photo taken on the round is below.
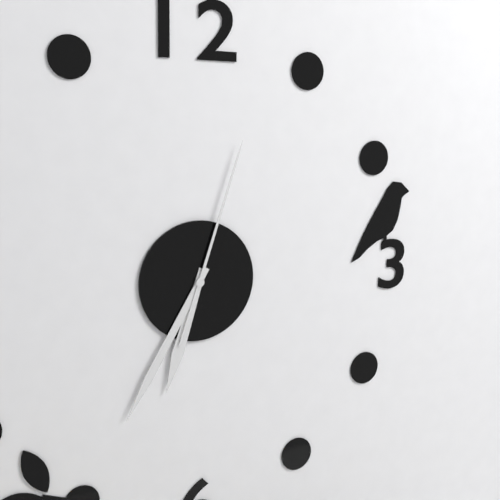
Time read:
**6:35:03**
